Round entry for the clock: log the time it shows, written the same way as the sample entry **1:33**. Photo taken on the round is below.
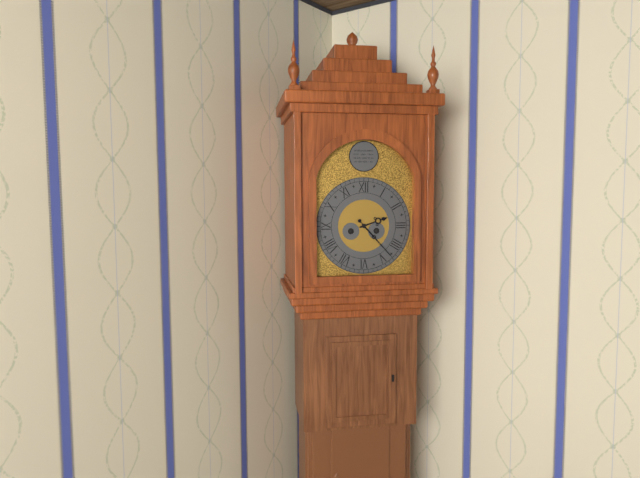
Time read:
**2:23**
